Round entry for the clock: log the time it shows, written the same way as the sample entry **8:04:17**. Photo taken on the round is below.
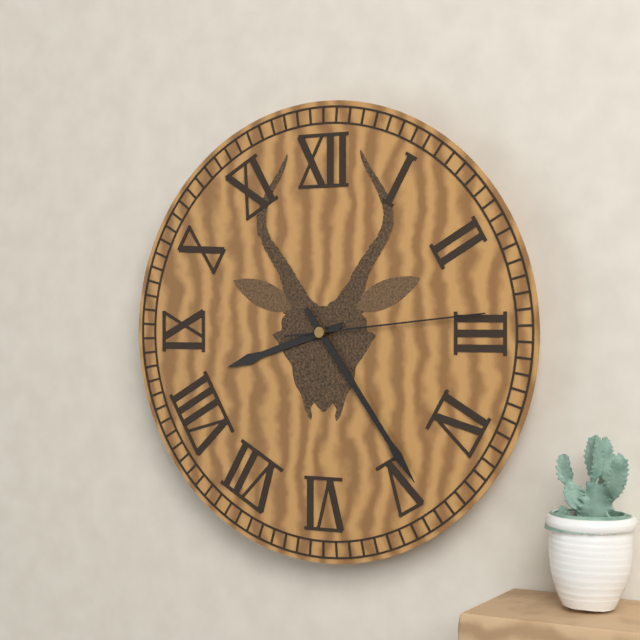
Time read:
**8:24:14**
